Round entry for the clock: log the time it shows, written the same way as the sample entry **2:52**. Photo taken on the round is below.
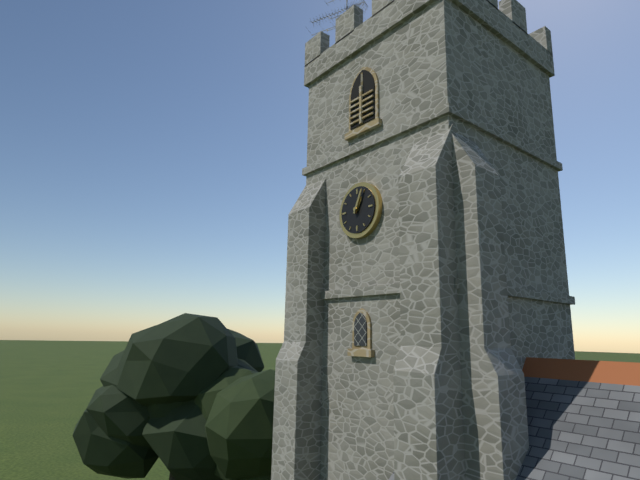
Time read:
**1:04**
